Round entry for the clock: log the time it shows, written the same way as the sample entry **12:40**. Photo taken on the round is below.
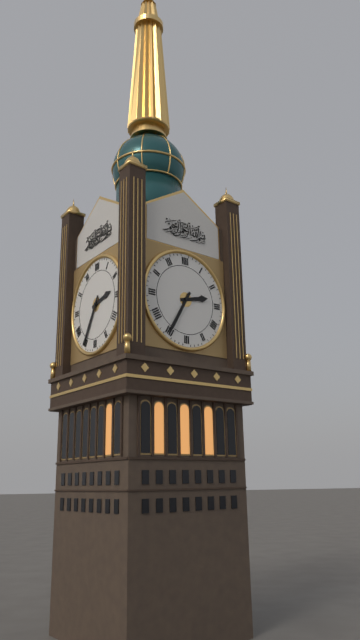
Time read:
**2:35**
